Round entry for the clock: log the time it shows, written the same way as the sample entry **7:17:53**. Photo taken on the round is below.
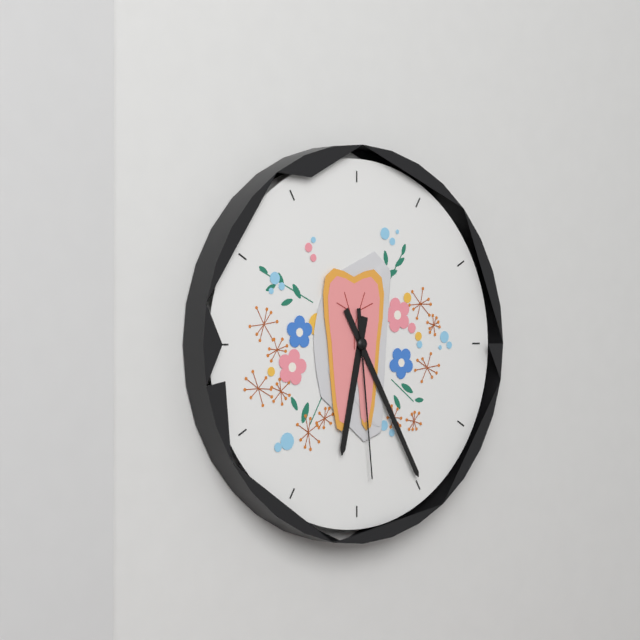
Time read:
**6:25:29**
